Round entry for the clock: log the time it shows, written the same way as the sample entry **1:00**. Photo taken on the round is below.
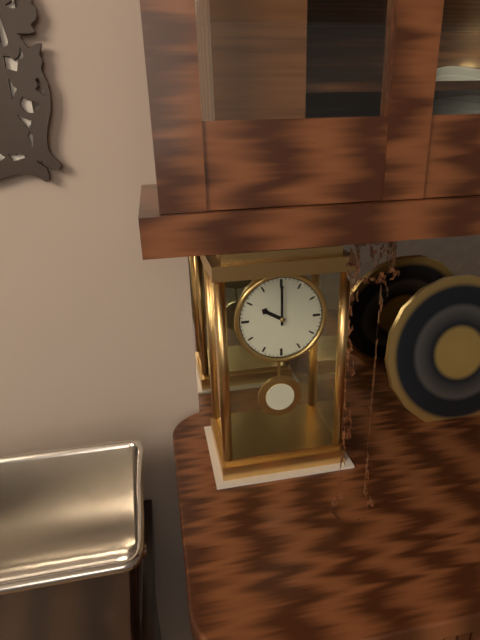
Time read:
**10:00**
